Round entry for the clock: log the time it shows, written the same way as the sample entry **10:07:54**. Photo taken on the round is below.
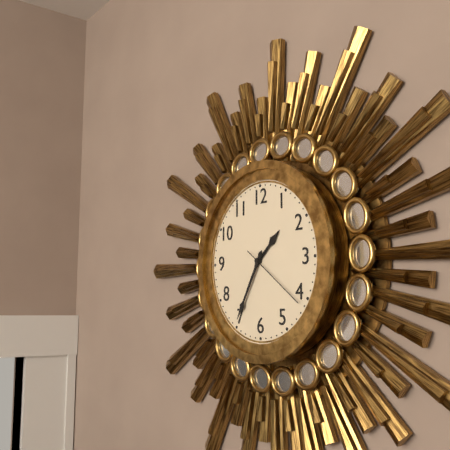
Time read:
**1:35:21**
